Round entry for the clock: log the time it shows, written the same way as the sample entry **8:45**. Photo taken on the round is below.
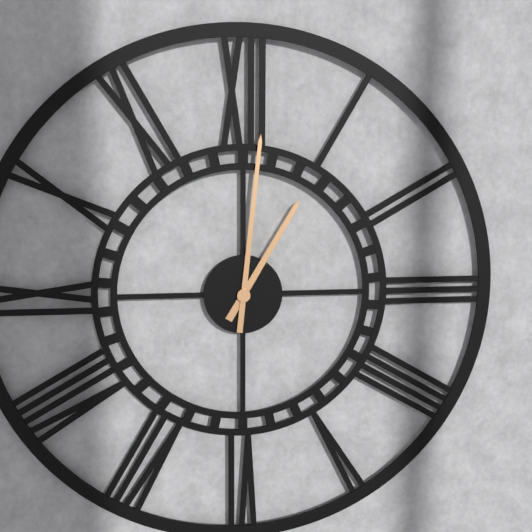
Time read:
**1:01**
